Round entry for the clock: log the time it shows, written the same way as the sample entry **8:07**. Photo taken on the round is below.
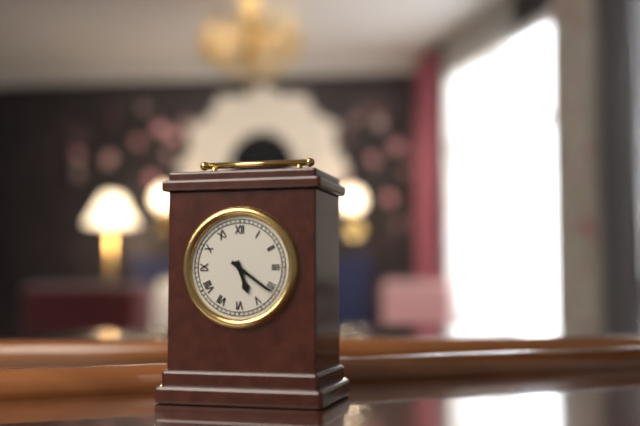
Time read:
**5:21**
